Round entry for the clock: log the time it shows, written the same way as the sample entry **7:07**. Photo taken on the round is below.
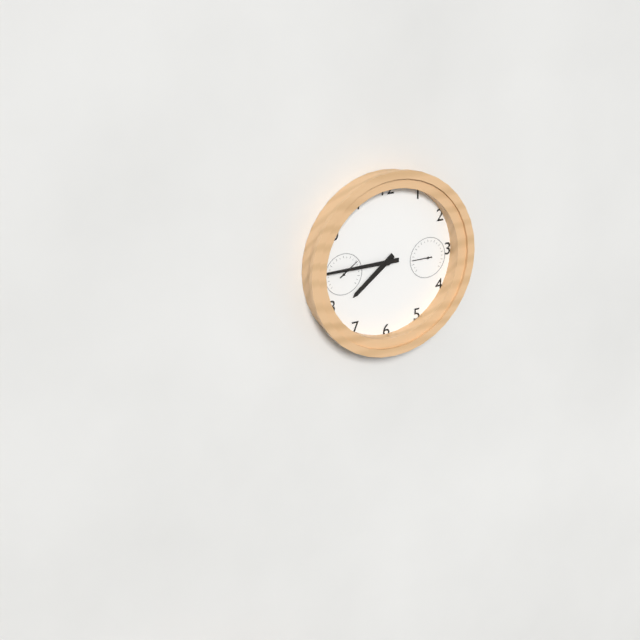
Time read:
**7:45**
